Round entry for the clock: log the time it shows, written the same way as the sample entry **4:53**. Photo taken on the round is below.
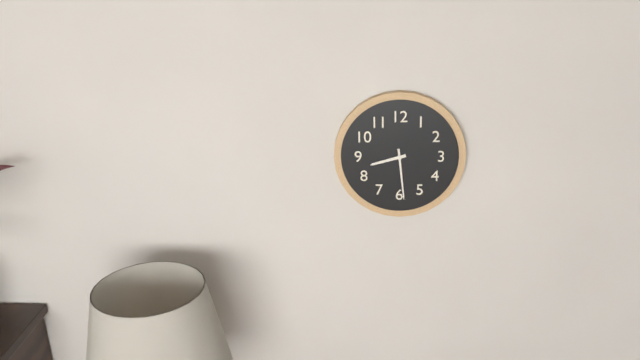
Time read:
**8:29**
